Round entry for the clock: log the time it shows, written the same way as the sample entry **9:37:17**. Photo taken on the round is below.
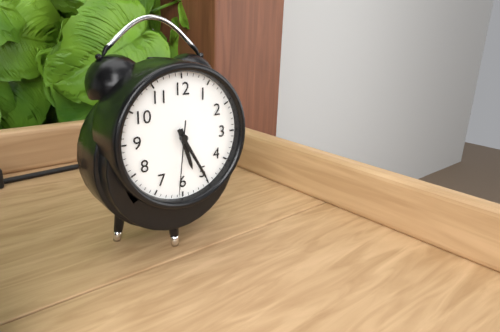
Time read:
**5:25:31**
